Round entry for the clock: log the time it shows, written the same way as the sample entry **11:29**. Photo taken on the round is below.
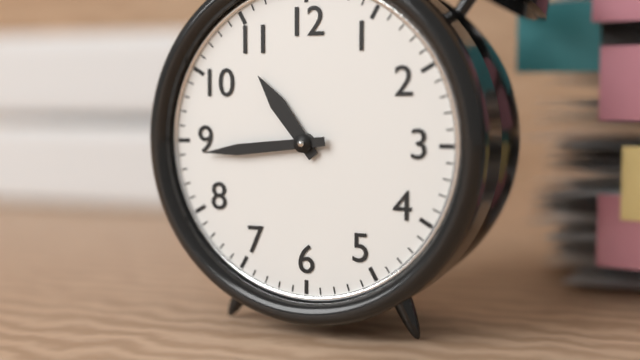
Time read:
**10:44**
